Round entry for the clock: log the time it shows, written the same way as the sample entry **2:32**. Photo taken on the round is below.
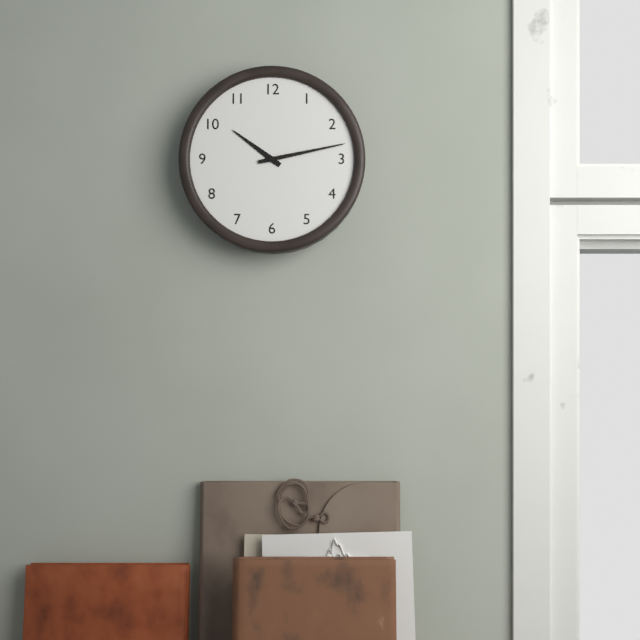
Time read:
**10:13**
